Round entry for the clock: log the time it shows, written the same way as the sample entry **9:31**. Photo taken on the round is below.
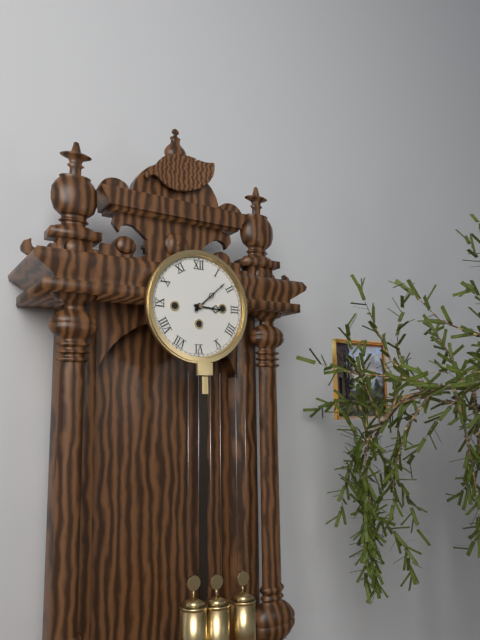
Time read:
**3:08**
